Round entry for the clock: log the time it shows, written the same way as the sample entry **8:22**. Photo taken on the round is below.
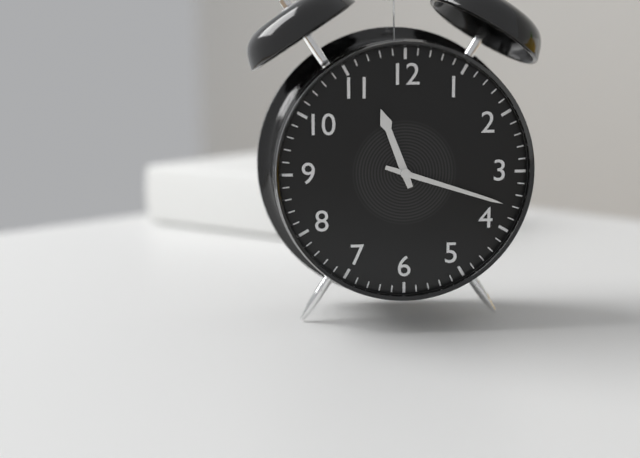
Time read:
**11:18**
